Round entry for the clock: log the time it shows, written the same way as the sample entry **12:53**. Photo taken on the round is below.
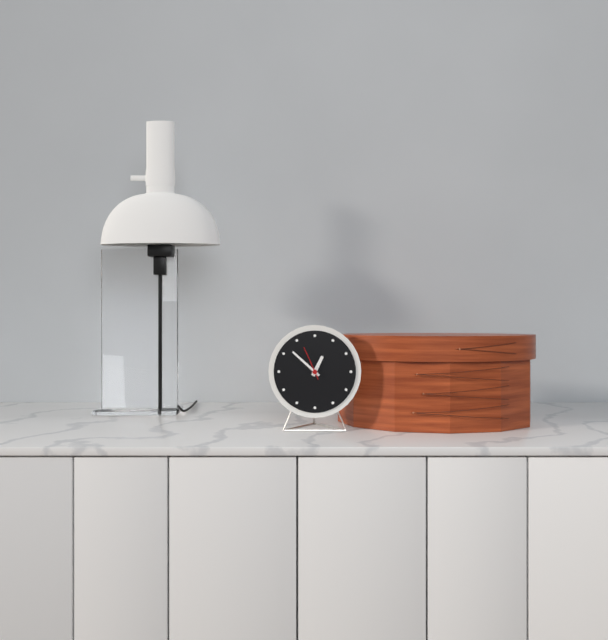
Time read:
**12:52**
